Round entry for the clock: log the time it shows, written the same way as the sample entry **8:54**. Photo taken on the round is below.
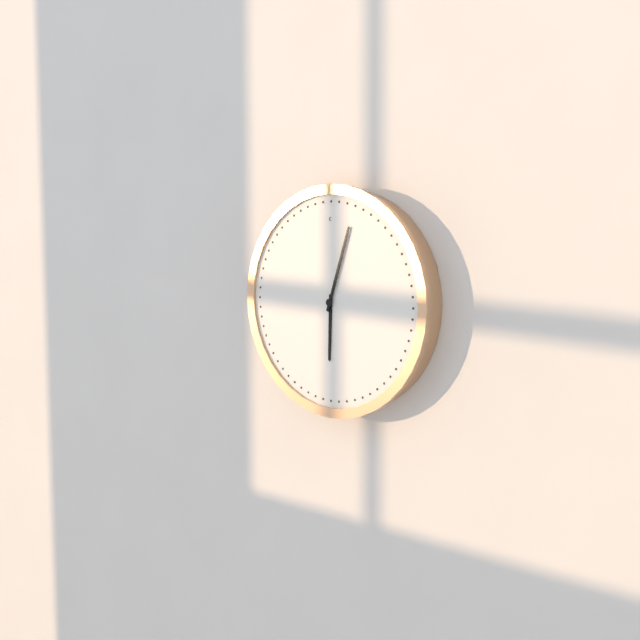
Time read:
**6:03**
